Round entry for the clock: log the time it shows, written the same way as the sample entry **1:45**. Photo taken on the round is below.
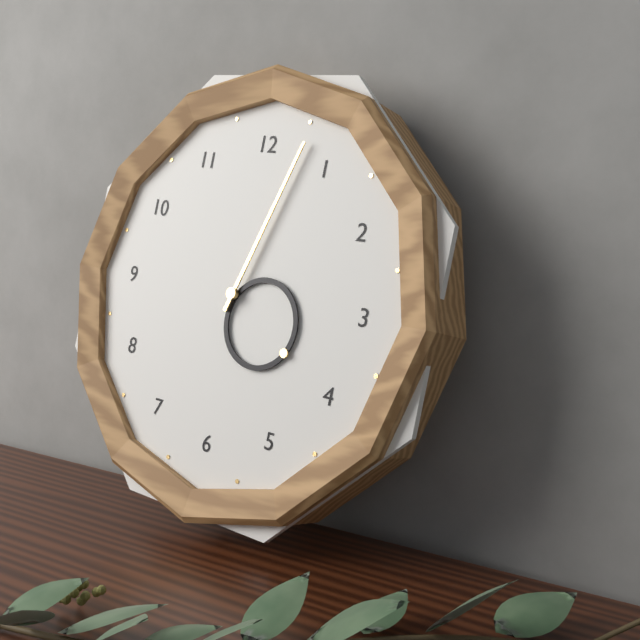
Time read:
**4:03**
